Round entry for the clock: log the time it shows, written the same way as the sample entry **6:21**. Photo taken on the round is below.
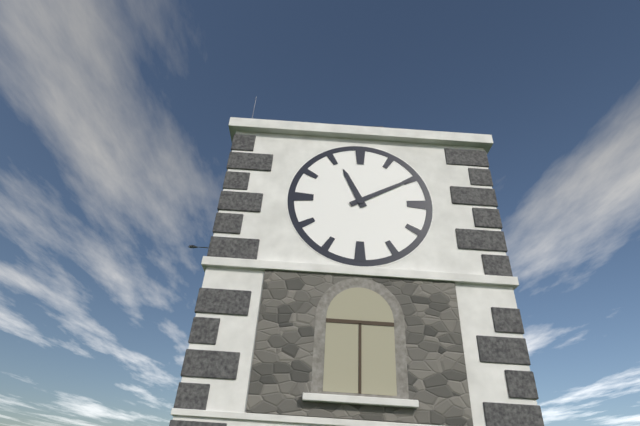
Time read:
**11:10**
